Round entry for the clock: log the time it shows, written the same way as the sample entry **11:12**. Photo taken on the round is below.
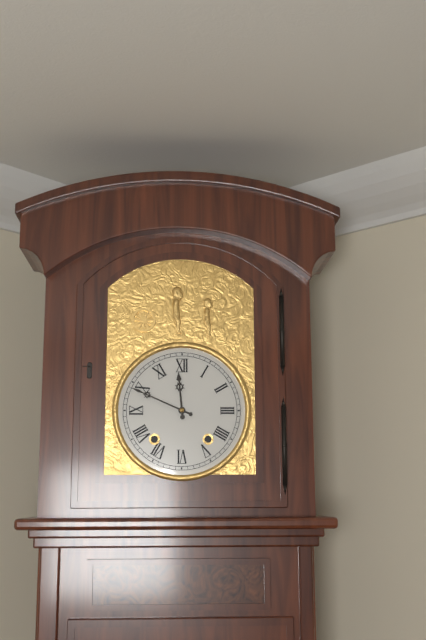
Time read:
**11:49**
